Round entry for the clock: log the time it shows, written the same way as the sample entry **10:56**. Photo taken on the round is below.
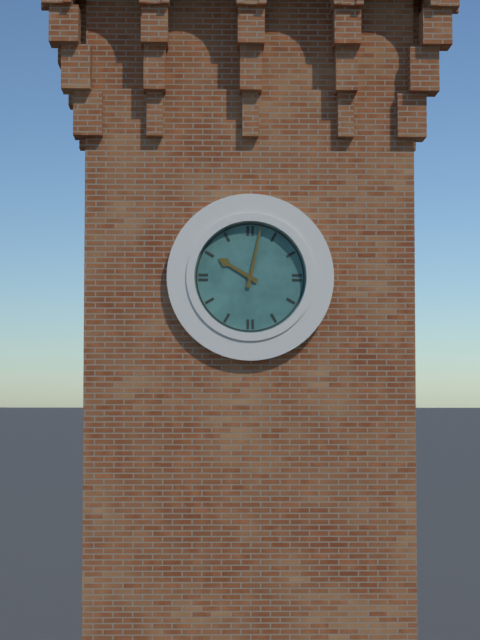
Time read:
**10:02**
